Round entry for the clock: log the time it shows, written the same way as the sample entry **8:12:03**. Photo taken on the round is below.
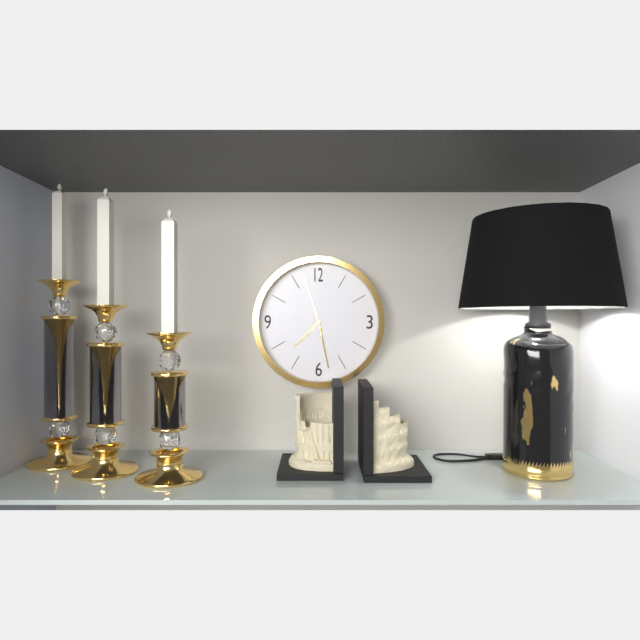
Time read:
**7:28:57**
